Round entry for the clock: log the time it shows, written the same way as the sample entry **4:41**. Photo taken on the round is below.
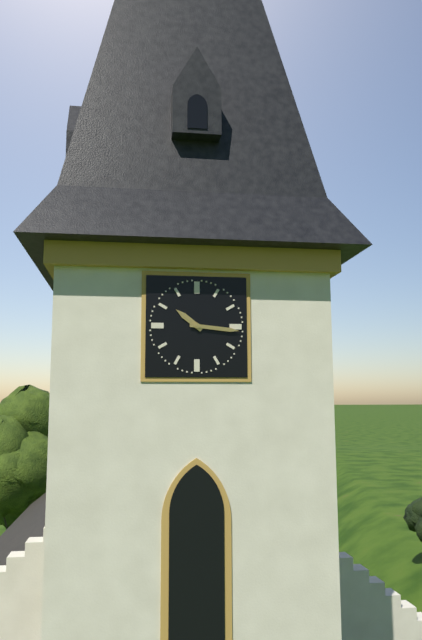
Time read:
**10:16**
